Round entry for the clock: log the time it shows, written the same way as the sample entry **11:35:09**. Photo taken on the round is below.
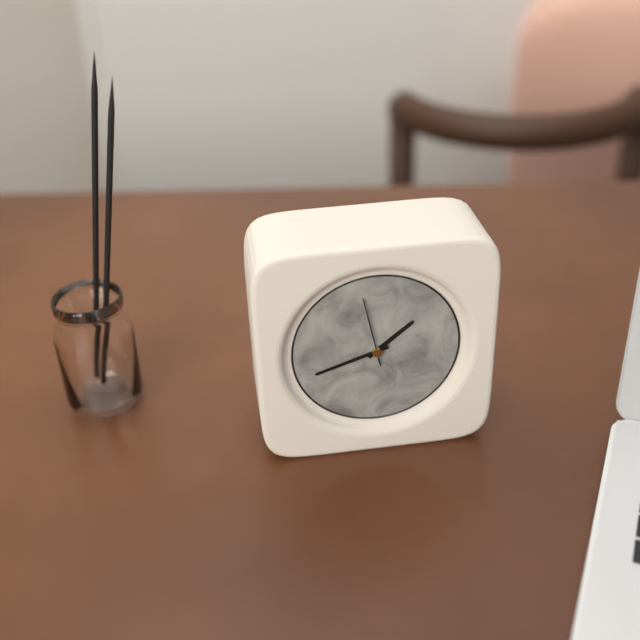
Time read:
**1:42:58**
